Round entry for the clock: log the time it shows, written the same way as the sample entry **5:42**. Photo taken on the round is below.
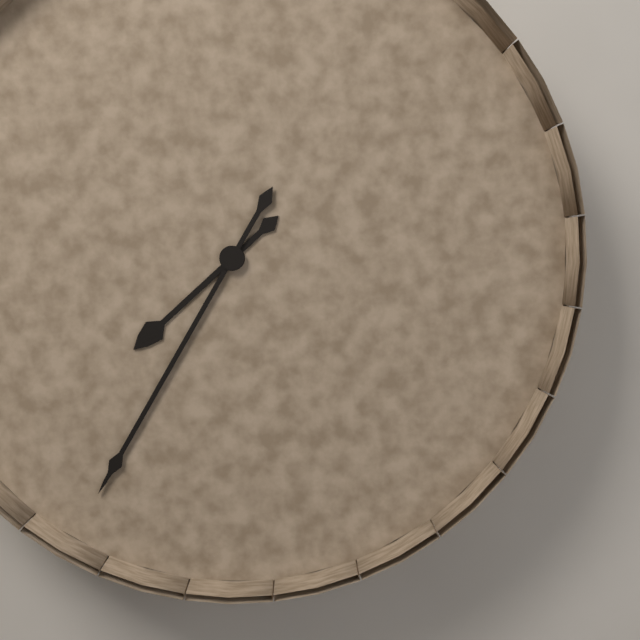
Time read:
**7:35**
